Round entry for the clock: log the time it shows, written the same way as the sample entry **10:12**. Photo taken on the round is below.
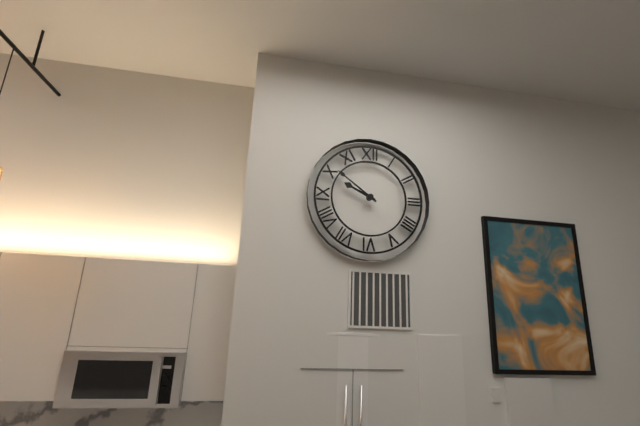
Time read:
**9:51**
